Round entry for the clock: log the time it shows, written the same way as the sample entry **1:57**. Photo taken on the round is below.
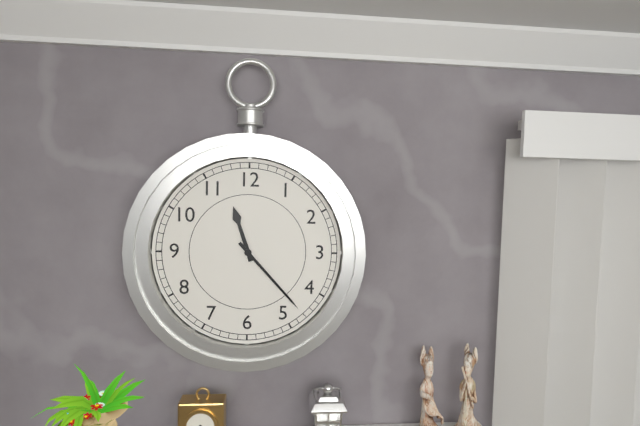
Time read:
**11:23**
